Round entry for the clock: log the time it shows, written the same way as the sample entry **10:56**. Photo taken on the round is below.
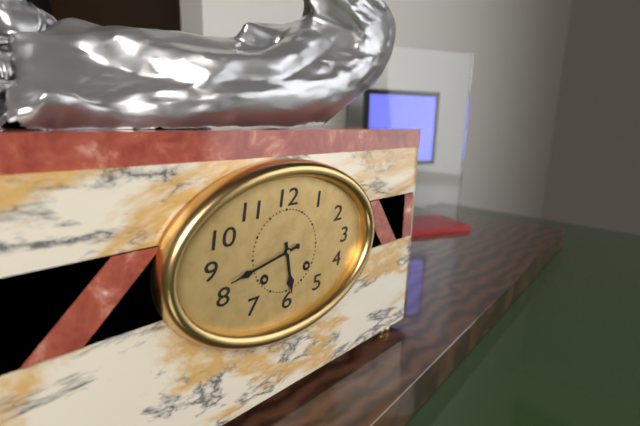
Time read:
**5:43**
